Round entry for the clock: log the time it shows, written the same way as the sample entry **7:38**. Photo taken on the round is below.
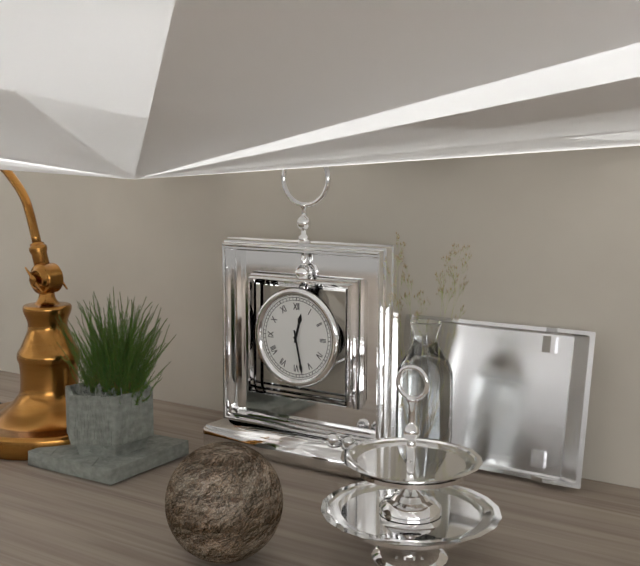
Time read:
**12:28**
